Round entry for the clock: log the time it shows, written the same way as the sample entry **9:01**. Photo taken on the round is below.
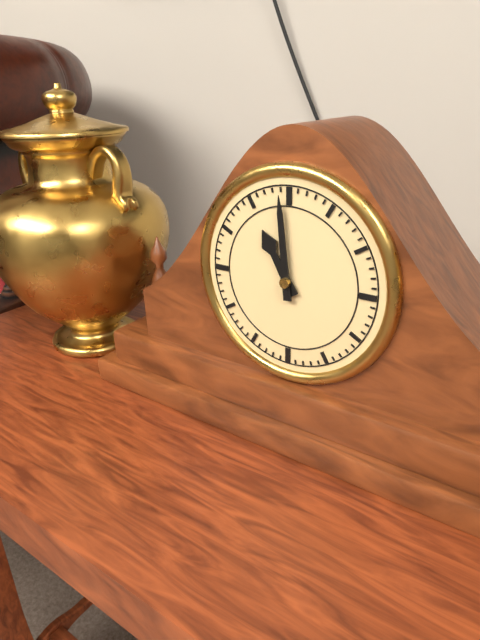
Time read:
**10:59**
